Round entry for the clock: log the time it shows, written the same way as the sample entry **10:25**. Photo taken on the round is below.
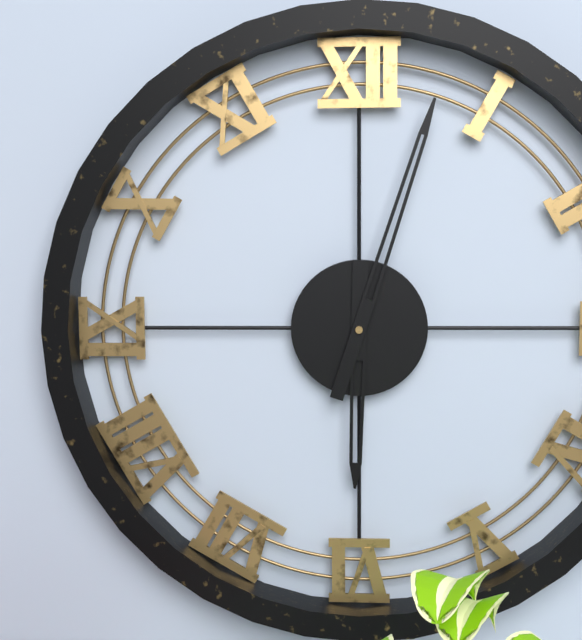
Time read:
**6:03**
